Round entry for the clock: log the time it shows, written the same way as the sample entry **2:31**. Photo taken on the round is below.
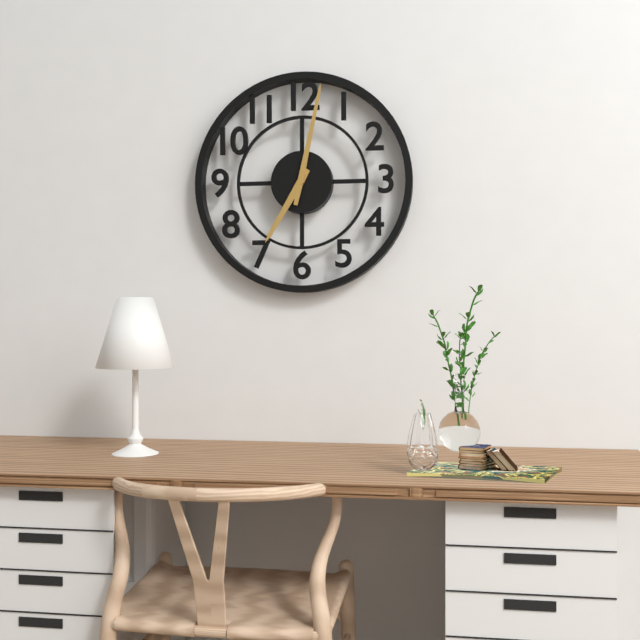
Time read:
**7:02**
